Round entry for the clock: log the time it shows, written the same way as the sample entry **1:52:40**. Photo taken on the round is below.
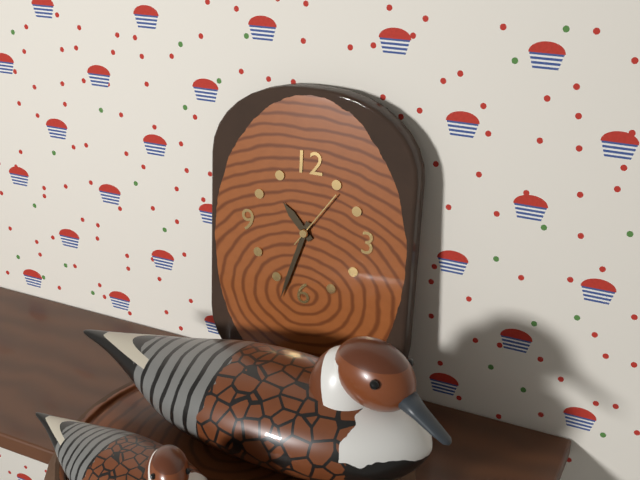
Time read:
**10:33:06**
